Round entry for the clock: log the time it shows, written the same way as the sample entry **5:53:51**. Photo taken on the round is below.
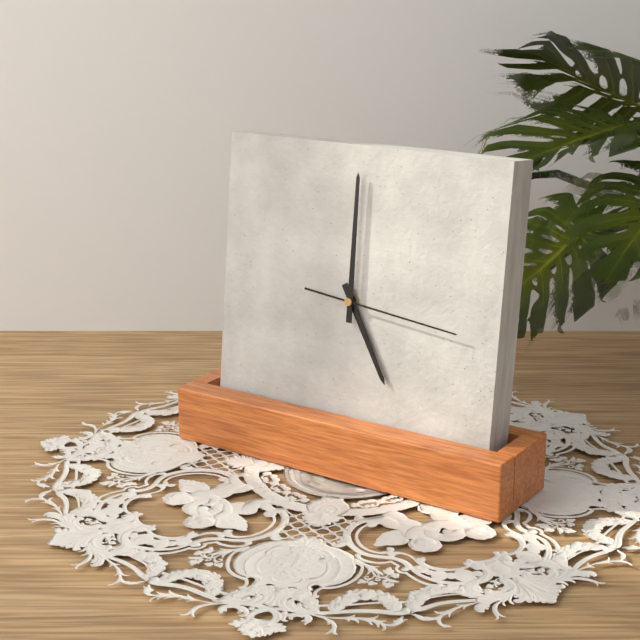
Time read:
**5:00:16**
